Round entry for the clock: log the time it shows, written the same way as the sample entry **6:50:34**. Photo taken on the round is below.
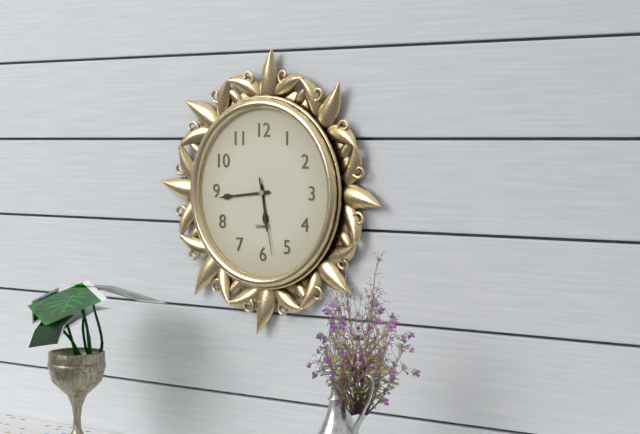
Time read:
**5:44:28**
